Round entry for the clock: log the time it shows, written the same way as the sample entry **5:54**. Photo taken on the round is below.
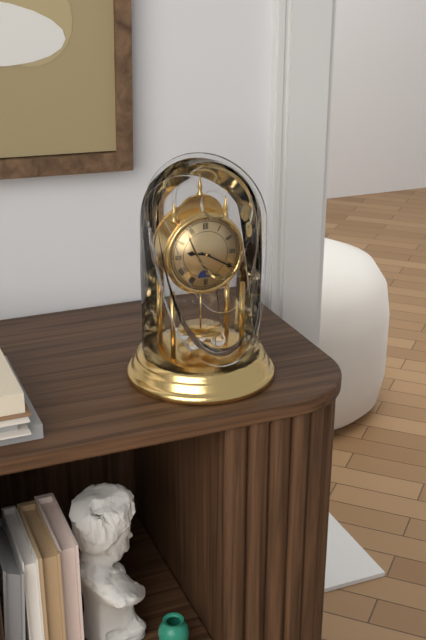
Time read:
**9:20**
